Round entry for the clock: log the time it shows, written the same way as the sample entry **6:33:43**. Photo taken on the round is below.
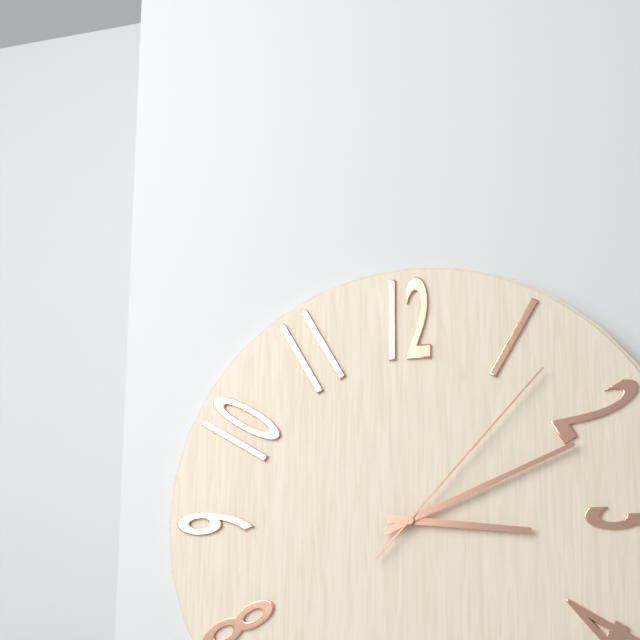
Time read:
**3:11:07**
